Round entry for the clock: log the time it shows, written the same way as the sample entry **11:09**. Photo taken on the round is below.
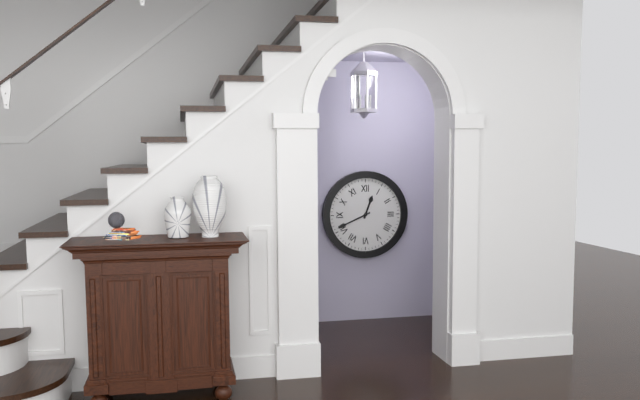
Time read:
**12:41**
